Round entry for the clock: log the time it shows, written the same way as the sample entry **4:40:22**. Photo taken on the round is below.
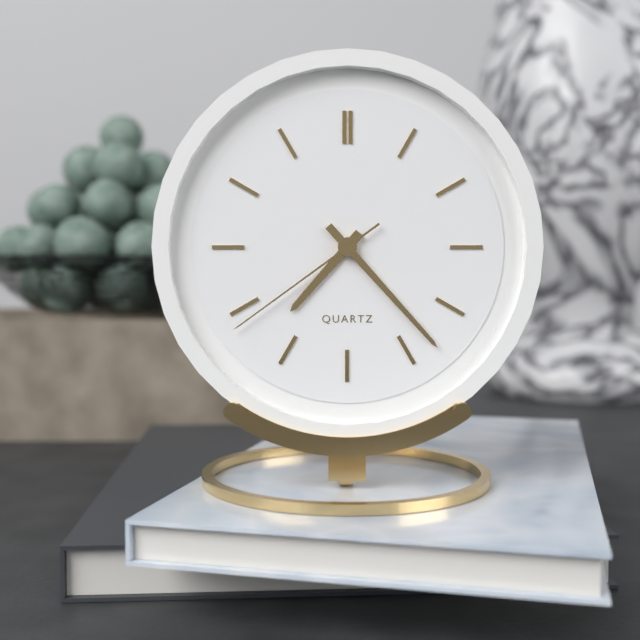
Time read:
**7:23:39**
